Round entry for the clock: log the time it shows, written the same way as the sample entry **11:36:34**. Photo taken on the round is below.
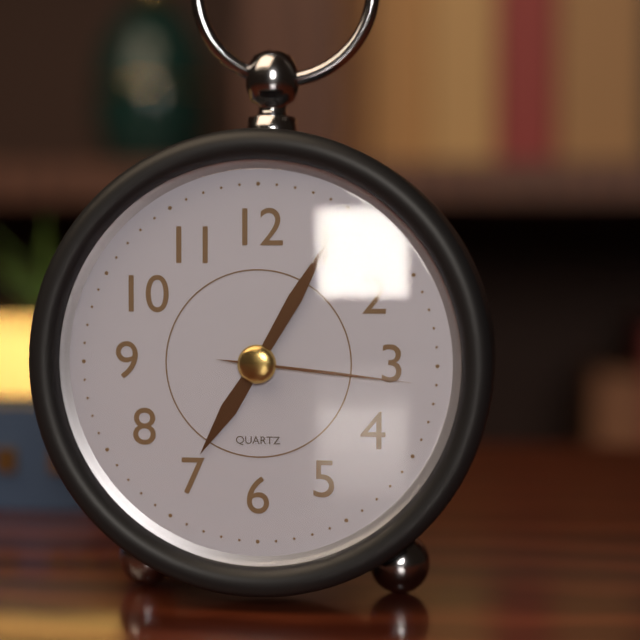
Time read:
**7:05:16**
